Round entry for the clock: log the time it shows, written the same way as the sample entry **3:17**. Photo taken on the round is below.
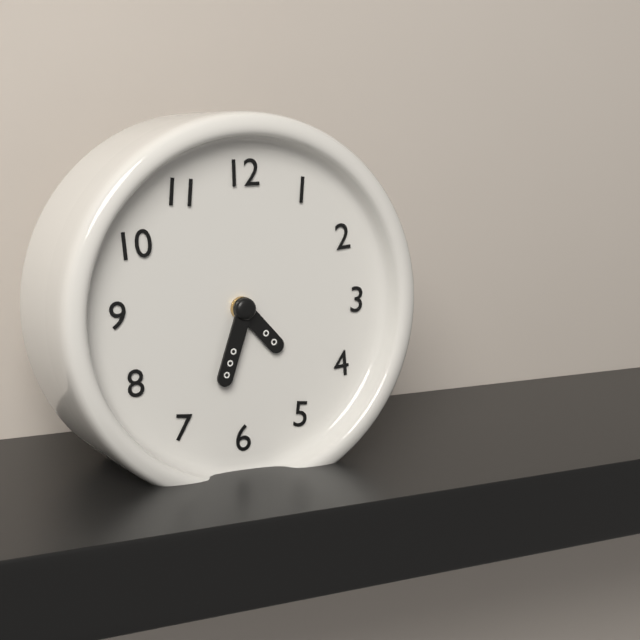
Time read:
**4:33**
